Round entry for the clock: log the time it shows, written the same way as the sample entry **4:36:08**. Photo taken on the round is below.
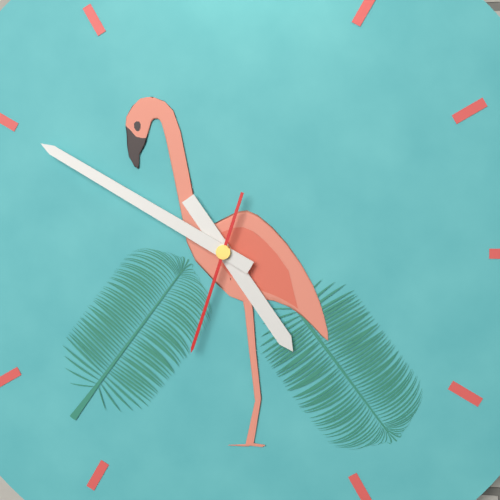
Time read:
**4:50:33**
